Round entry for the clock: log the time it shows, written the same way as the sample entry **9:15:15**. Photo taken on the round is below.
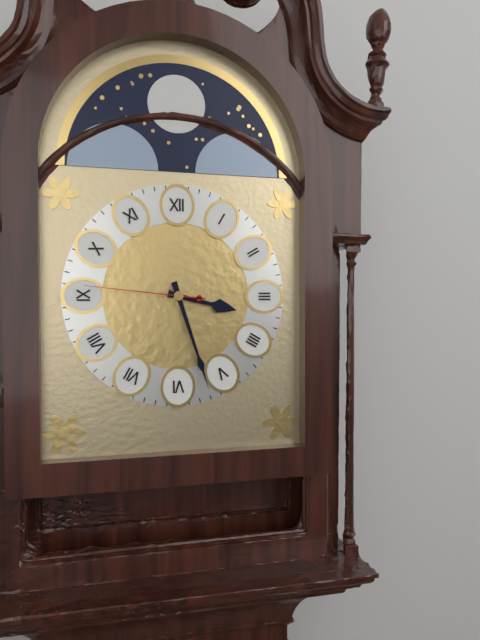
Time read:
**3:27:46**
